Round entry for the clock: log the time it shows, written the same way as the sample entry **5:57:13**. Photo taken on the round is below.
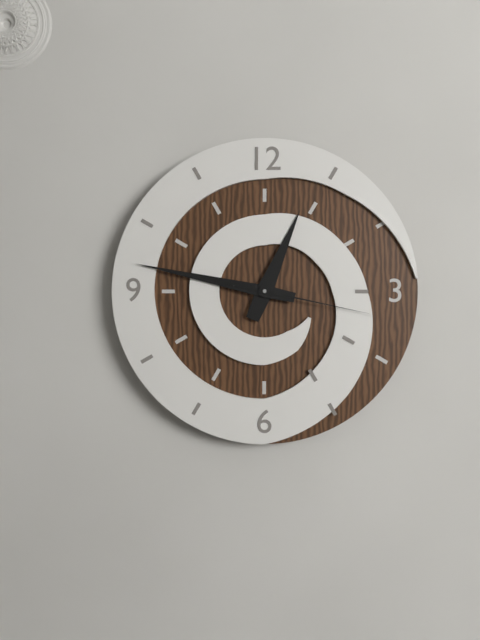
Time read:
**12:47:17**
